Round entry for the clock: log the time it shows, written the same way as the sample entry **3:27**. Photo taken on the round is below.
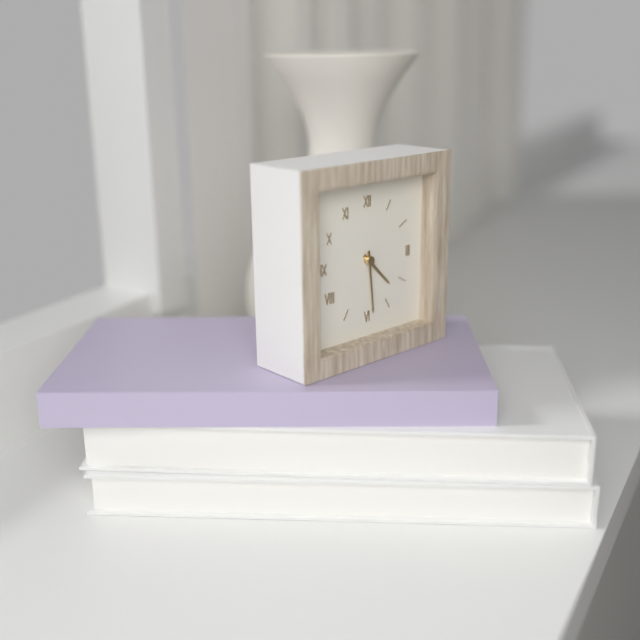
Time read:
**4:29**
